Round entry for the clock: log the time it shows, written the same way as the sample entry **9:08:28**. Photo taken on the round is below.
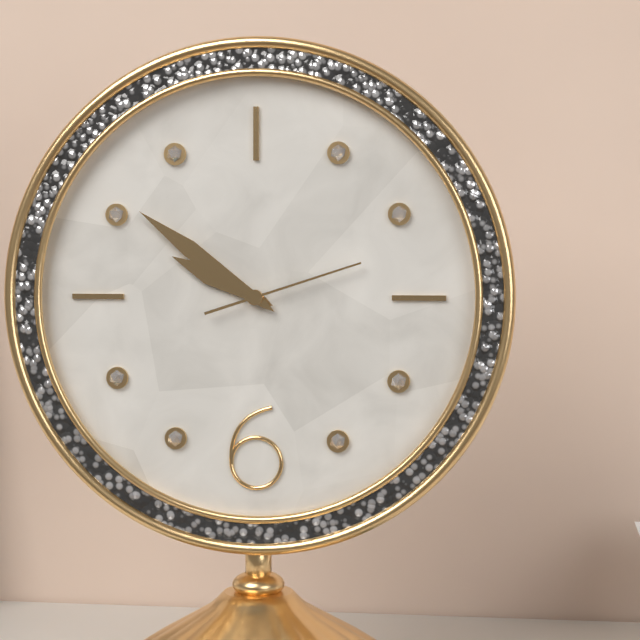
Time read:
**9:51:12**
